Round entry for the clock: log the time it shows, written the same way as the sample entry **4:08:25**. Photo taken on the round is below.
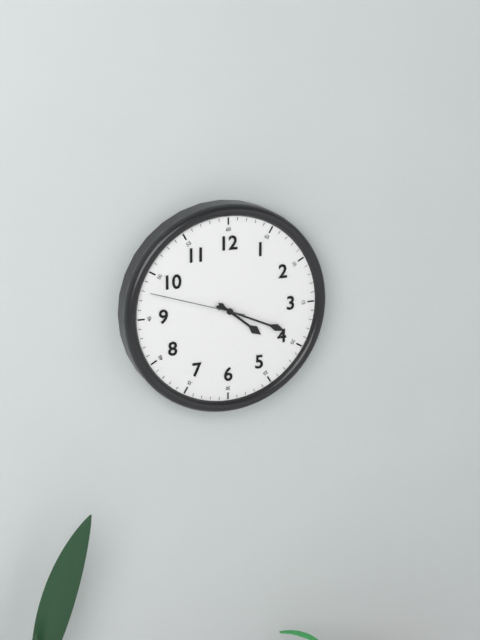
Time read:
**4:19:48**
